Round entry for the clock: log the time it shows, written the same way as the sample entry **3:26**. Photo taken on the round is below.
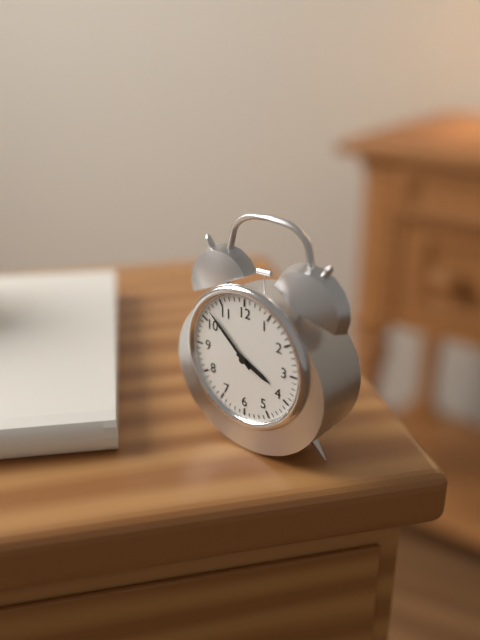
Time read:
**3:52**
